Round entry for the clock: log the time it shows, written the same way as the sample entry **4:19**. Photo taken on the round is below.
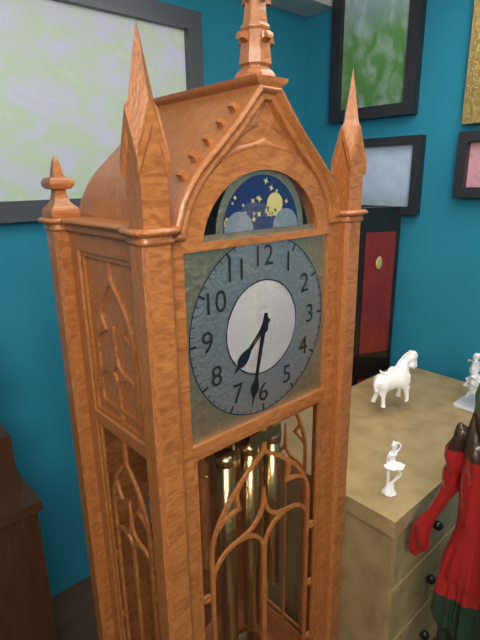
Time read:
**7:32**
